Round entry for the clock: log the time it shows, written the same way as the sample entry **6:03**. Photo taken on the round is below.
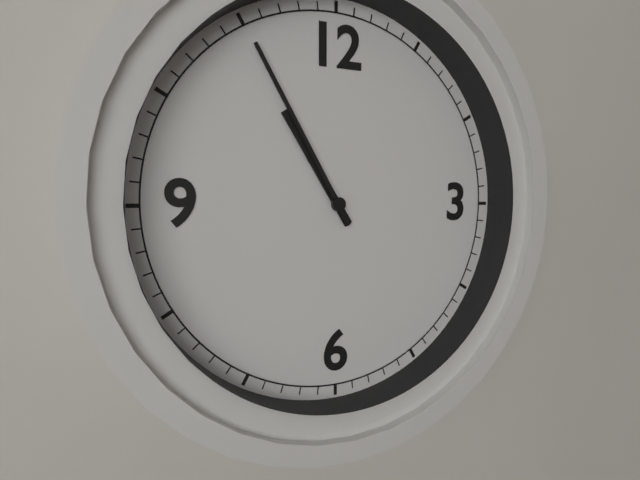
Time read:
**10:55**
